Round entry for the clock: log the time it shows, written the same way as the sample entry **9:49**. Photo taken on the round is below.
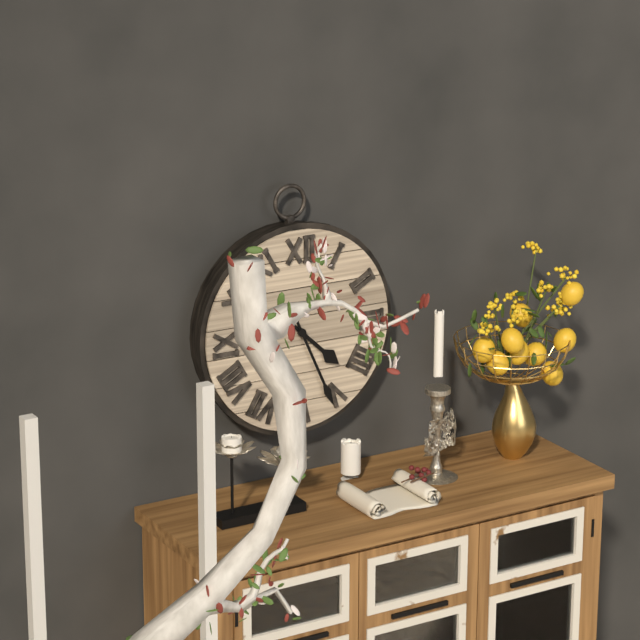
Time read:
**4:26**
